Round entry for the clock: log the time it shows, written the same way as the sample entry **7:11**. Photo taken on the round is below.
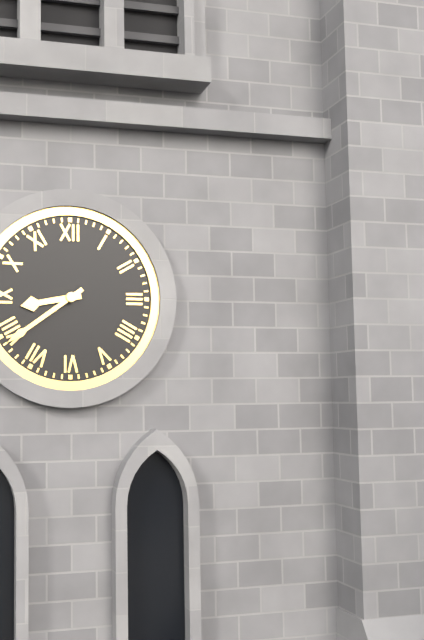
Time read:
**8:39**
